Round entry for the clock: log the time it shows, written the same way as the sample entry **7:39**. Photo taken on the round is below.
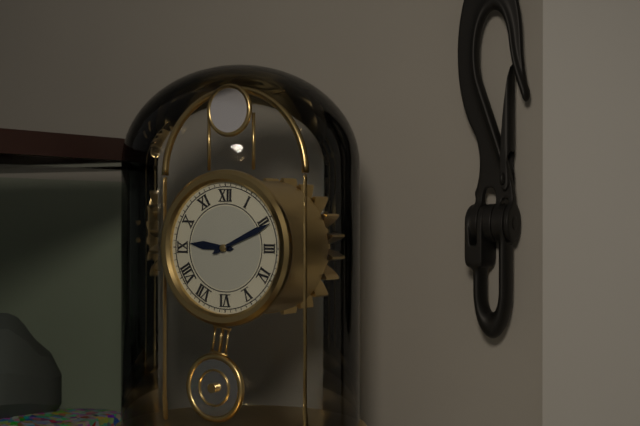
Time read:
**9:11**
